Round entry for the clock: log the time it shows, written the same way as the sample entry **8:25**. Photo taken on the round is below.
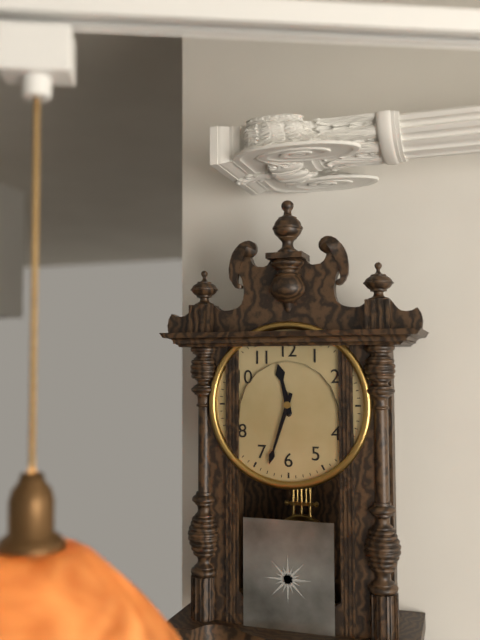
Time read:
**11:33**
